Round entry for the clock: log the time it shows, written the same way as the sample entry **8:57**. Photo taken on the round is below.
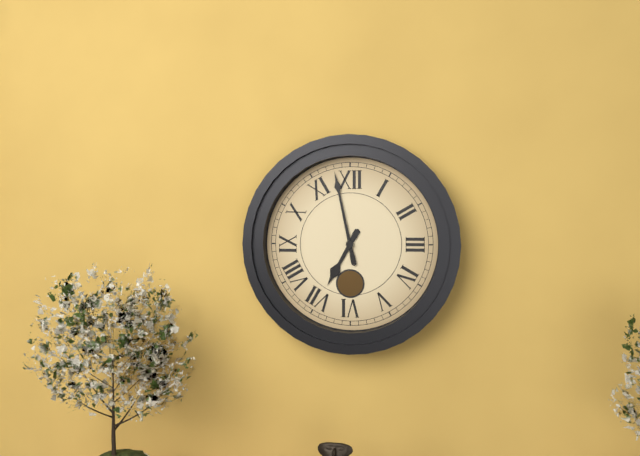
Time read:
**6:58**
